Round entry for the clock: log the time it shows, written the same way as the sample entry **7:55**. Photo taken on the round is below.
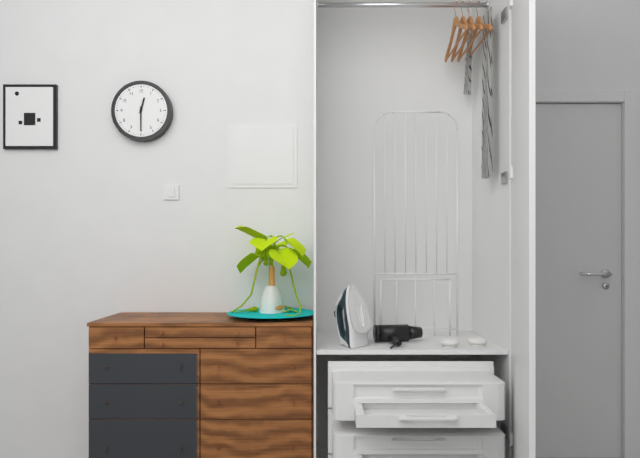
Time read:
**12:30**
